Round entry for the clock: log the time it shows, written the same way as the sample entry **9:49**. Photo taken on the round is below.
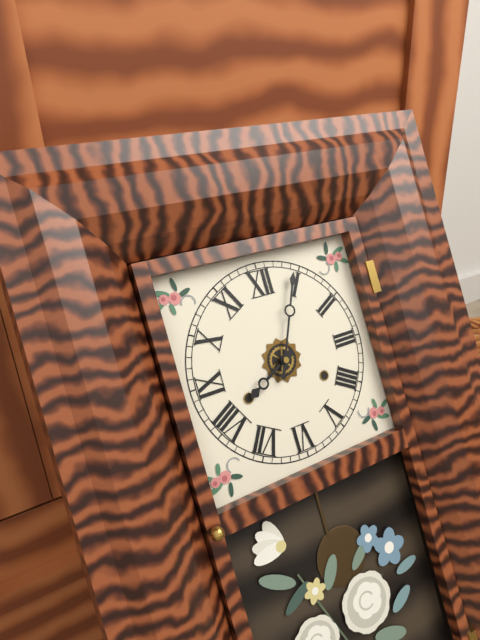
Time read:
**8:04**
